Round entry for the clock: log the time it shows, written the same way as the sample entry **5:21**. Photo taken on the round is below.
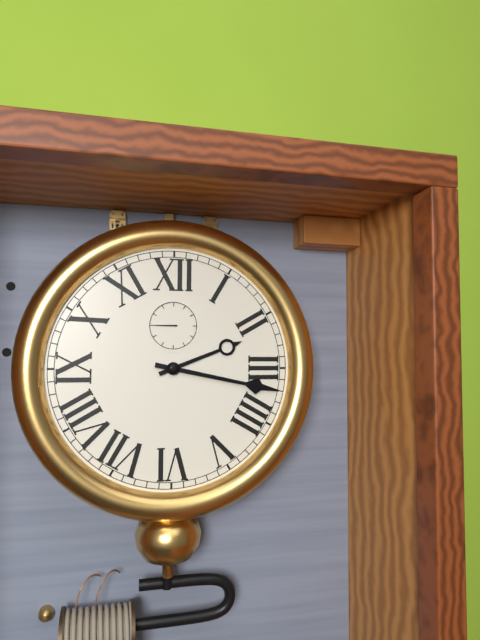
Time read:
**2:17**
